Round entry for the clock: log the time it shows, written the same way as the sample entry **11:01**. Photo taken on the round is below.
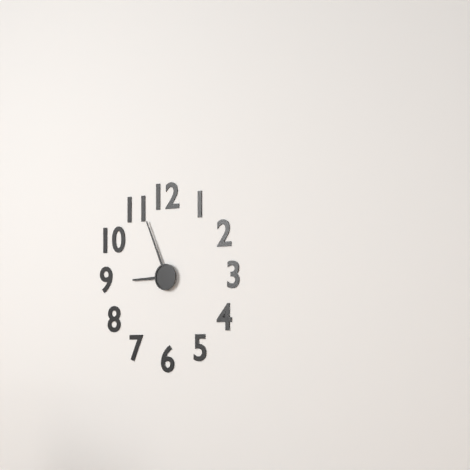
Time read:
**8:56**
